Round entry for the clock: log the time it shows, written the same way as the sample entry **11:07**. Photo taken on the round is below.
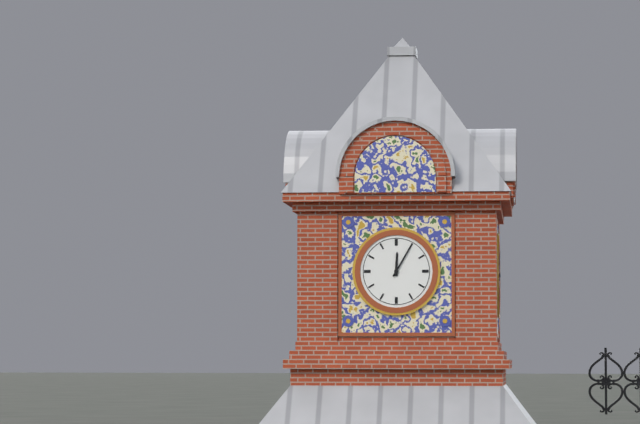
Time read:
**12:05**
